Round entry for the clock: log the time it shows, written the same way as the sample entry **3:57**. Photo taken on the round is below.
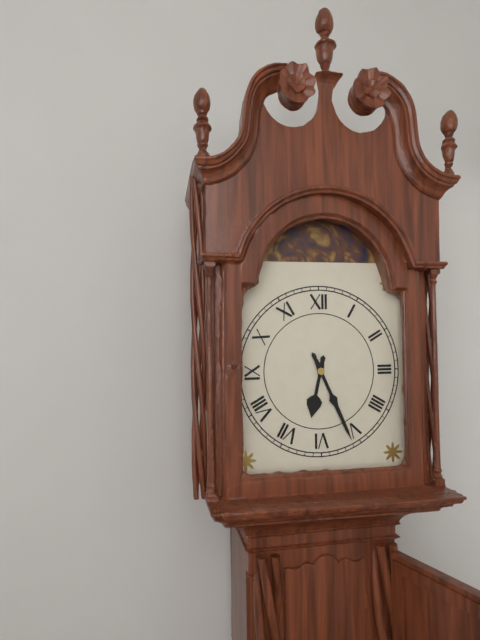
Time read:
**6:26**
